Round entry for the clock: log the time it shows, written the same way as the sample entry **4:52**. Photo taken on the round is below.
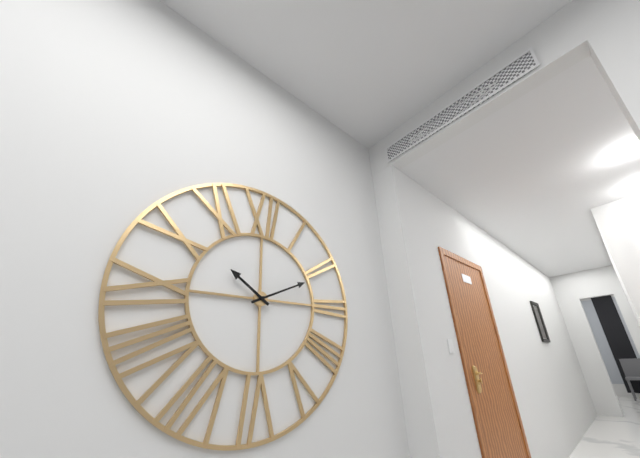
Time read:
**10:11**
